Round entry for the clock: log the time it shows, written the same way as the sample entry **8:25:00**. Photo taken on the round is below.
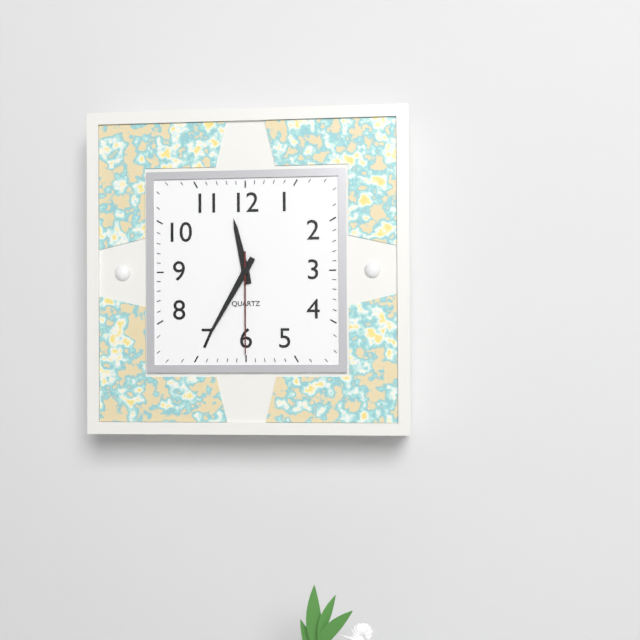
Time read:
**11:35:30**
